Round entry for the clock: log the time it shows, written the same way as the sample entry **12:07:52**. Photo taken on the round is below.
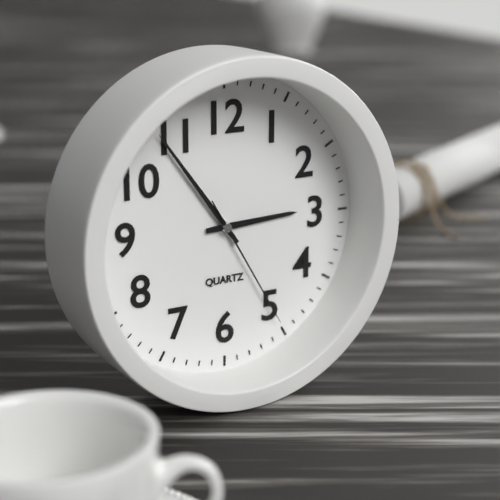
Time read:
**2:54:25**
